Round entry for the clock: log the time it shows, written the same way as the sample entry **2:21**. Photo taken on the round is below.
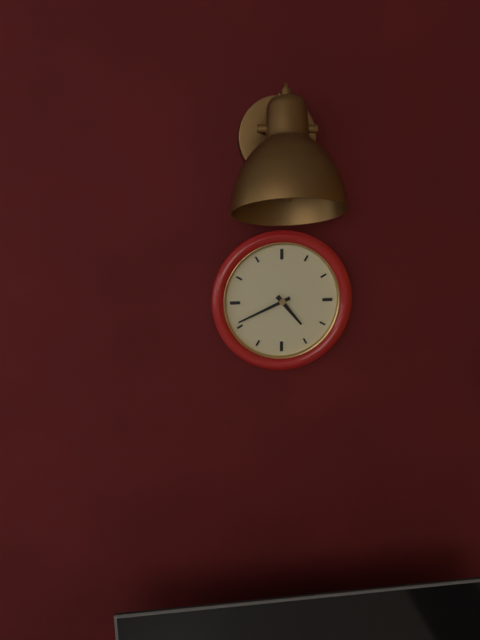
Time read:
**4:41**
